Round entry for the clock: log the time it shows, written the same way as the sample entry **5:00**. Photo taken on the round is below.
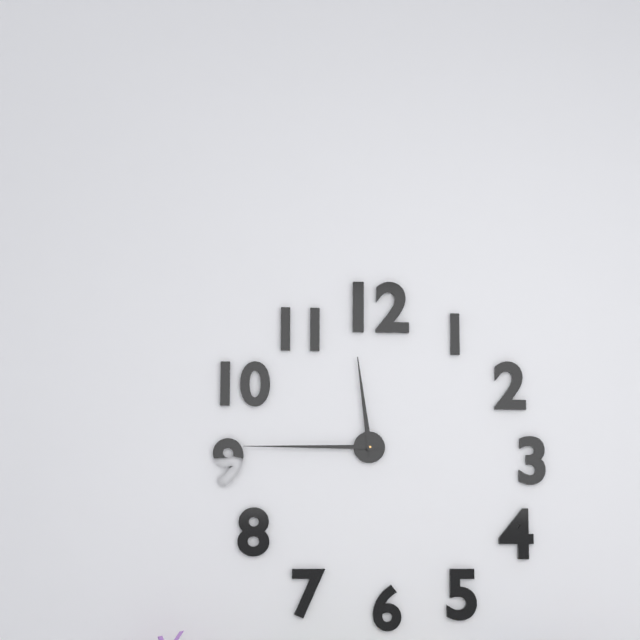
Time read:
**11:45**
